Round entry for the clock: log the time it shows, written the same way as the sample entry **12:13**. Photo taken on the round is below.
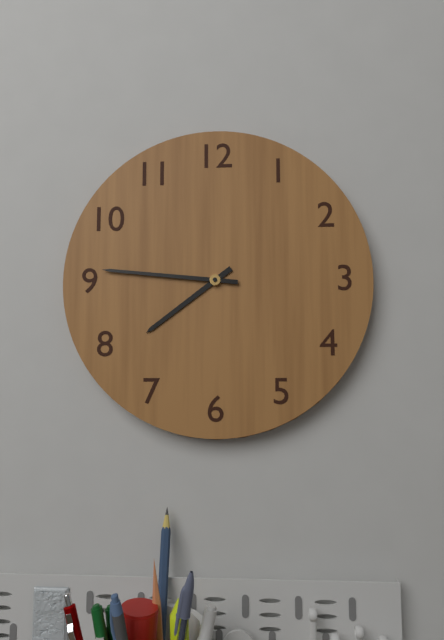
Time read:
**7:46**
